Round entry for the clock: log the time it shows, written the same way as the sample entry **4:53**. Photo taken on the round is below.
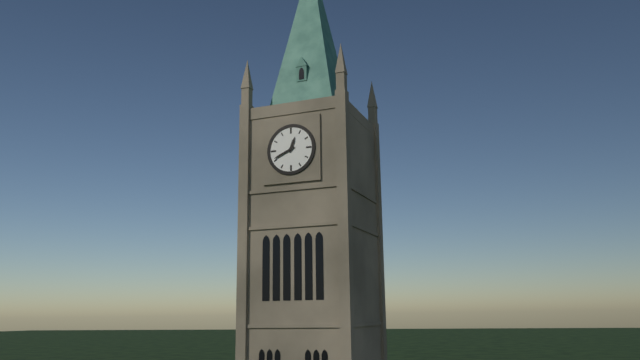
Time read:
**12:41**
